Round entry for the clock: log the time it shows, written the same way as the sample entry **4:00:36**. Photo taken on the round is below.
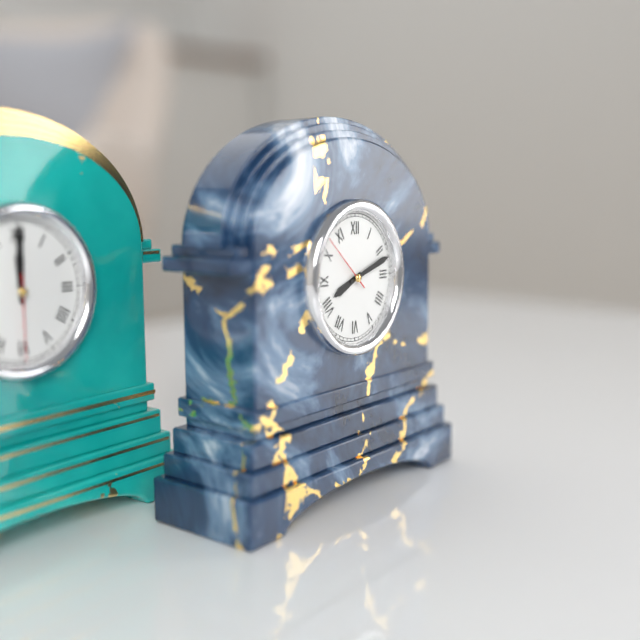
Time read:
**8:12:52**
